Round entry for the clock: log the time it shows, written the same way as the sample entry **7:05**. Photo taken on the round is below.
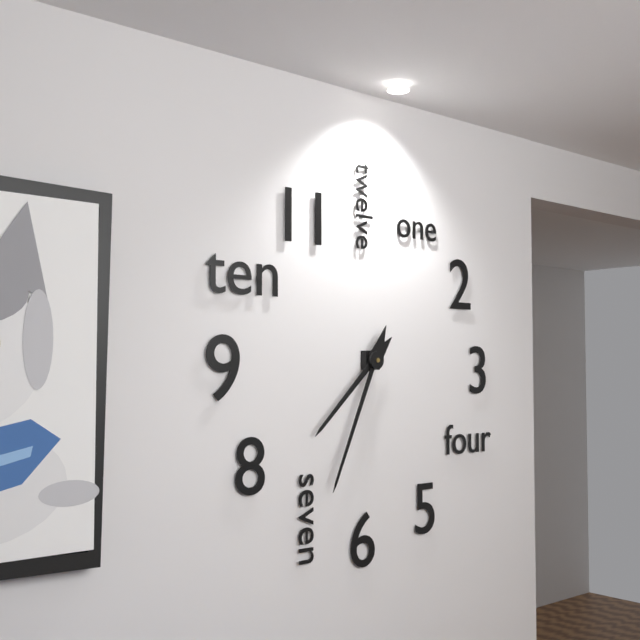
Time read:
**7:34**
